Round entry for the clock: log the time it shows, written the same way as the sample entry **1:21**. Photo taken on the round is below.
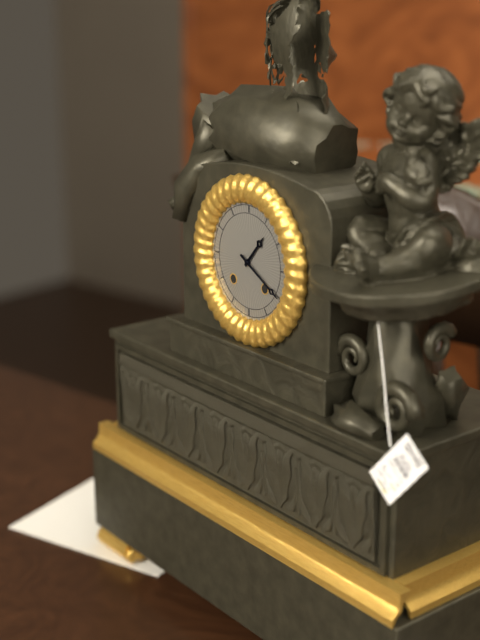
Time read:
**1:20**
